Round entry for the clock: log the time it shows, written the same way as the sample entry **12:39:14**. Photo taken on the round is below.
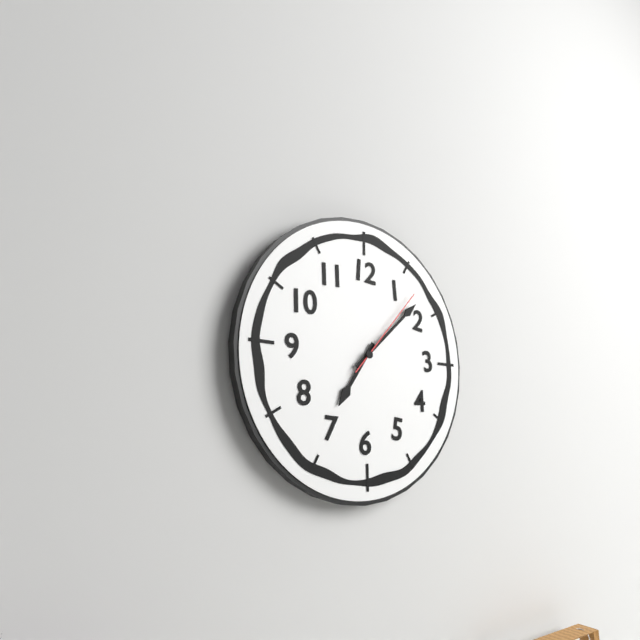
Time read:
**7:08:07**
